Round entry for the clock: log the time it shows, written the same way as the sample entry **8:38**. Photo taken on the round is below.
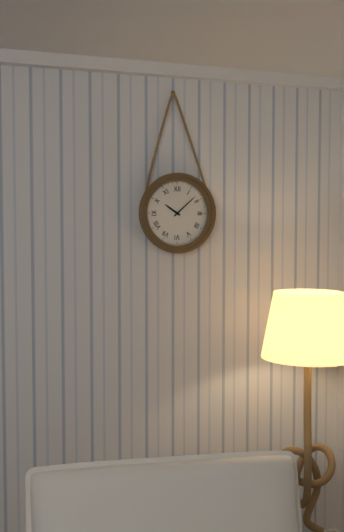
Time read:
**10:08**
